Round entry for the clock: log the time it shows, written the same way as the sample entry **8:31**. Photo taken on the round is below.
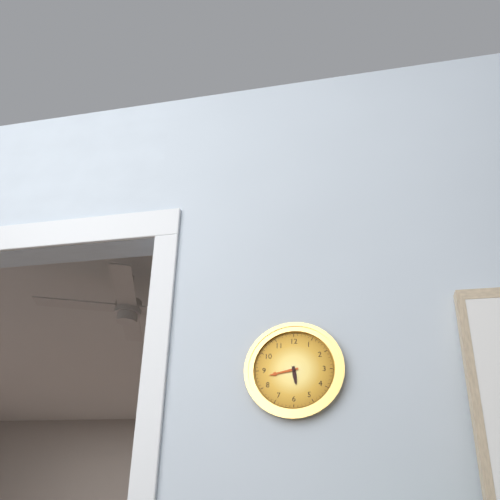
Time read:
**5:43**
